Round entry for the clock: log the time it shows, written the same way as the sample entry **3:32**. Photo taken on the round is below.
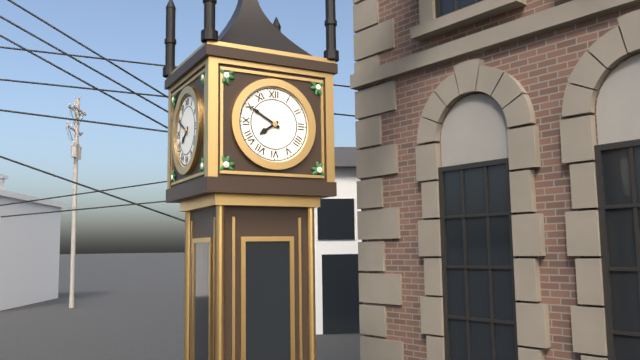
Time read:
**7:50**
